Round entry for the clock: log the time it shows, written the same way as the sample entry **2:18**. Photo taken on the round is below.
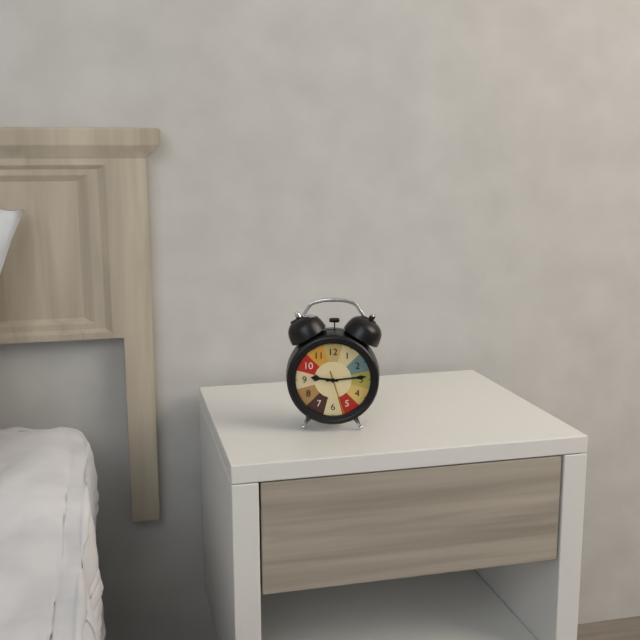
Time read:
**9:14**
